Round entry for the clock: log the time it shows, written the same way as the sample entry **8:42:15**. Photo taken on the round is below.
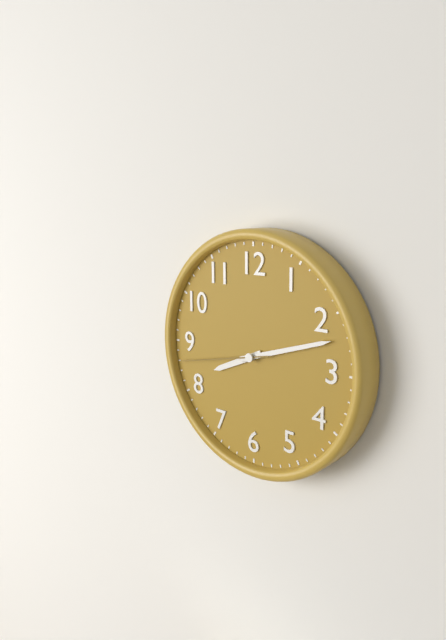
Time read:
**8:12:43**
